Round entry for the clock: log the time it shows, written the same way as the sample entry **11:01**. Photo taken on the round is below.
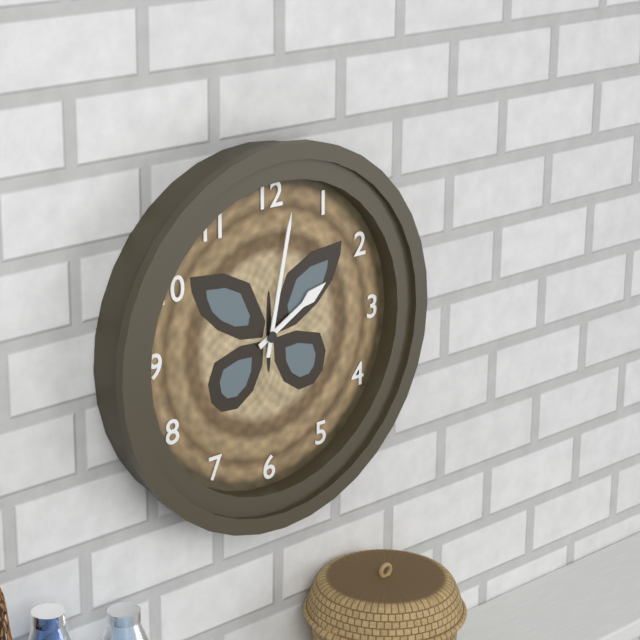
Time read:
**2:02**
